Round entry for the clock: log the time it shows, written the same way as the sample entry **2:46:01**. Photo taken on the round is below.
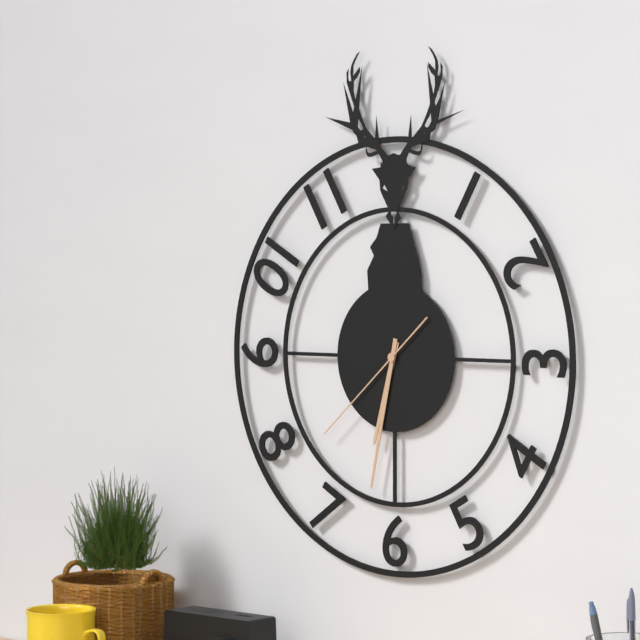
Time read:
**6:32:38**
